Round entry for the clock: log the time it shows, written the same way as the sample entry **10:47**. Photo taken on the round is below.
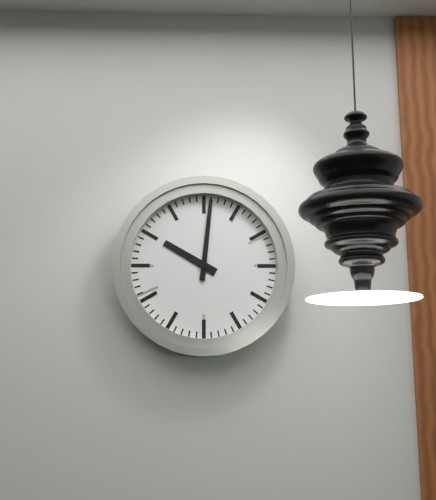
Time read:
**10:01**
